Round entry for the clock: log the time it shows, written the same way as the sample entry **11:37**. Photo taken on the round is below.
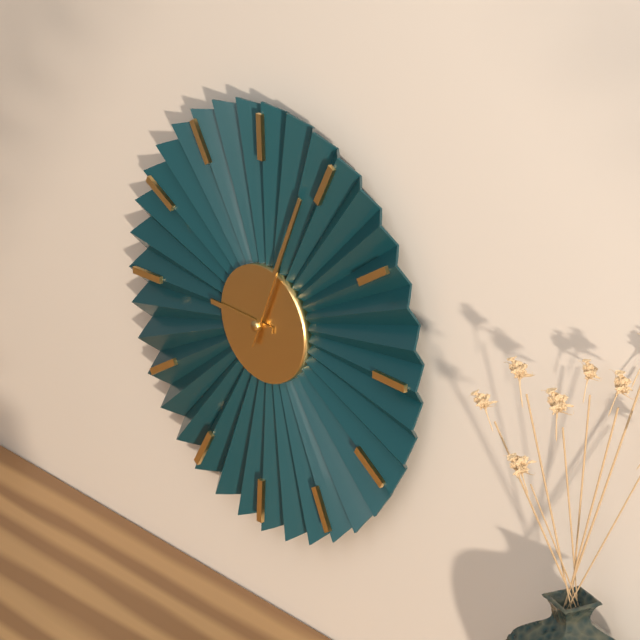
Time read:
**9:04**
